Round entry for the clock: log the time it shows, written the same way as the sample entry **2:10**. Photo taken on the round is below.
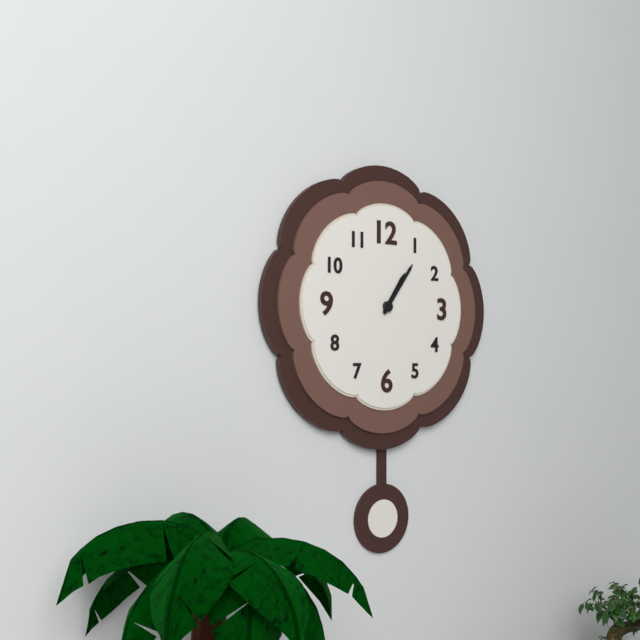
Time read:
**1:06**
